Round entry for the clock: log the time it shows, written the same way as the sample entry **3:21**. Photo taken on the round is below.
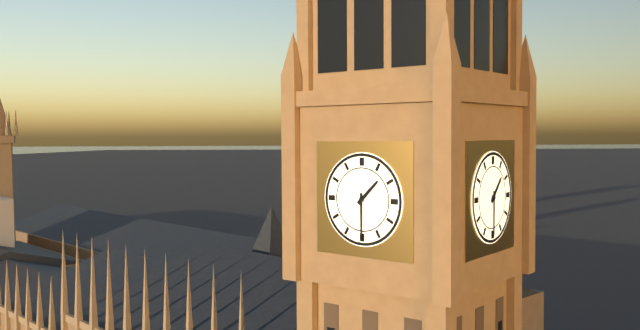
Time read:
**1:30**
